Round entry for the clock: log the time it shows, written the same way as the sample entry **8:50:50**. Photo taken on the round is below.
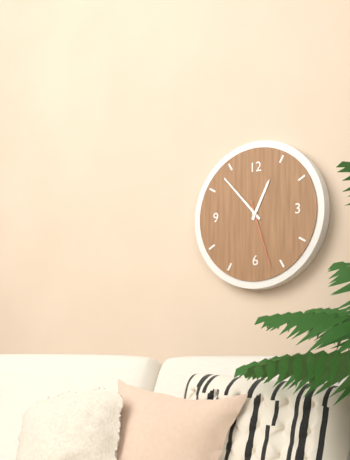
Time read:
**12:53:27**
